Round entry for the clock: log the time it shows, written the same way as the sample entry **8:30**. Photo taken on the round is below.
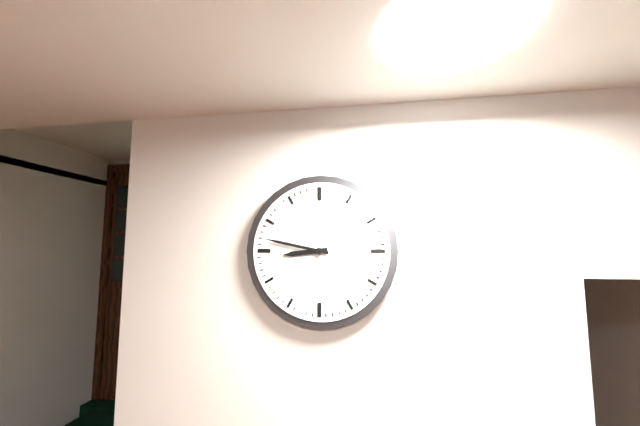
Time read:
**8:47**
